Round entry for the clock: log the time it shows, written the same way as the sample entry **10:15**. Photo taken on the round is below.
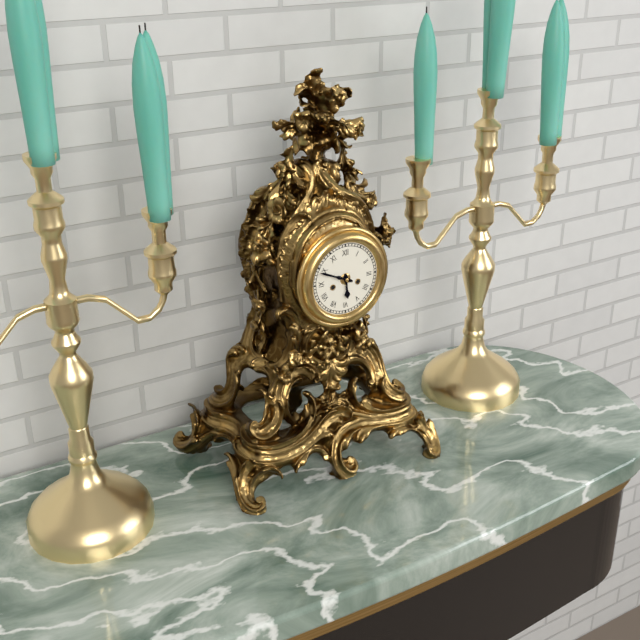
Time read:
**5:49**
